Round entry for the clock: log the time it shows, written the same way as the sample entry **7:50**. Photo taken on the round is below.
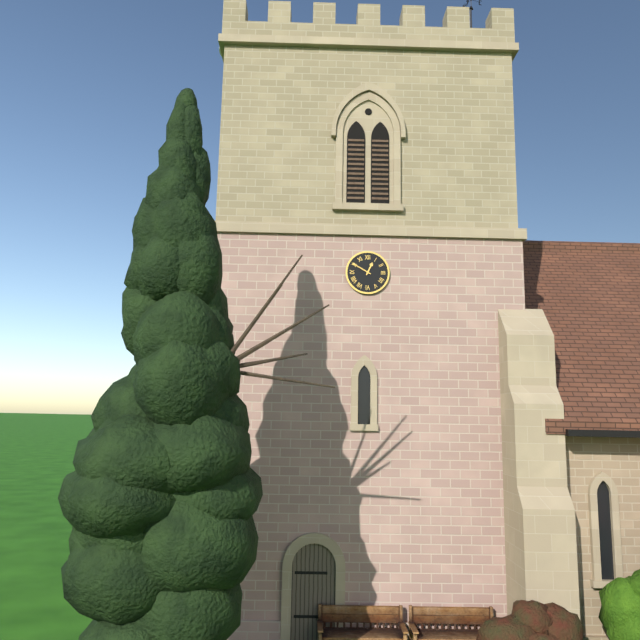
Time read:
**12:50**
